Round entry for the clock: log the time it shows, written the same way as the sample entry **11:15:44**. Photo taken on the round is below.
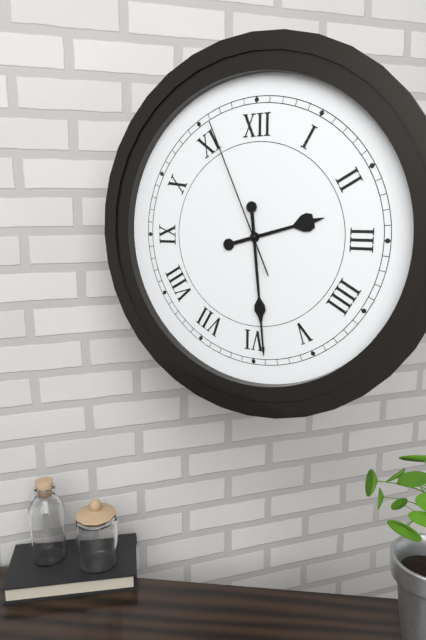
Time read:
**2:29:56**
